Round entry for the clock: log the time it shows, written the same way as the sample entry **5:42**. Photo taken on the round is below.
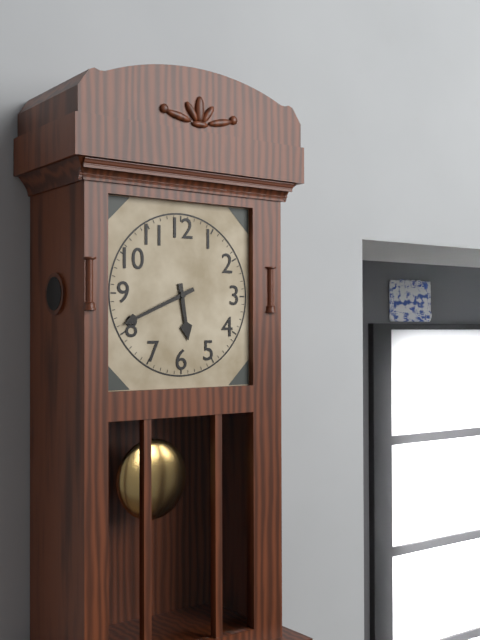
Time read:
**5:41**
